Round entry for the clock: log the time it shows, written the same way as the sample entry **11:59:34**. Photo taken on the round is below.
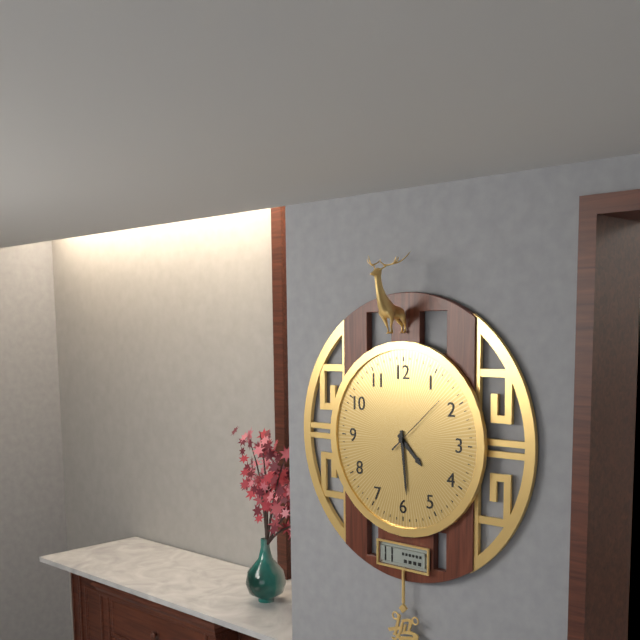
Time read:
**4:29:08**
